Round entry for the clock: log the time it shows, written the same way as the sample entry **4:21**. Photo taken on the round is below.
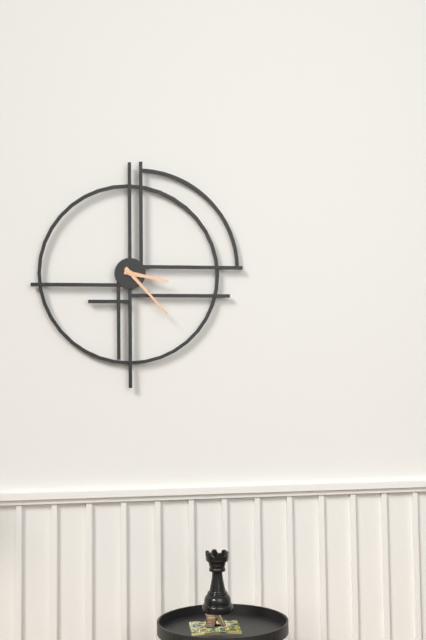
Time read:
**3:23**
